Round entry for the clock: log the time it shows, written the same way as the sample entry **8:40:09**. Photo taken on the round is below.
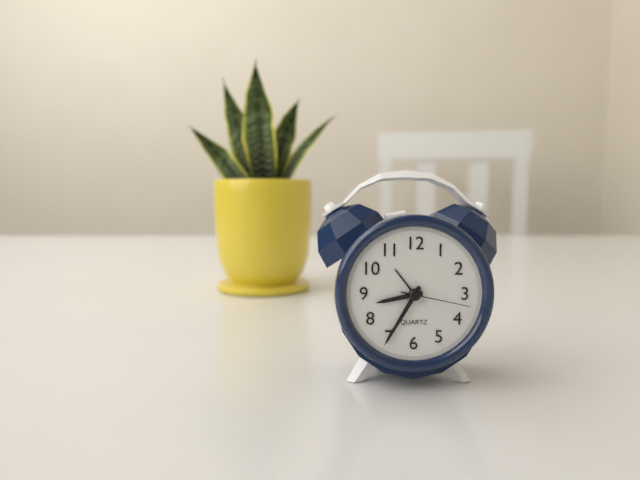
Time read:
**8:35:17**
